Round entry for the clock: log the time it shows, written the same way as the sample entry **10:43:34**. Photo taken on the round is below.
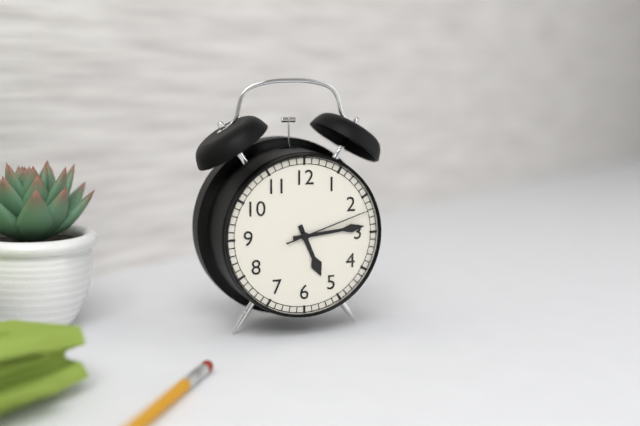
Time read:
**5:14:12**
